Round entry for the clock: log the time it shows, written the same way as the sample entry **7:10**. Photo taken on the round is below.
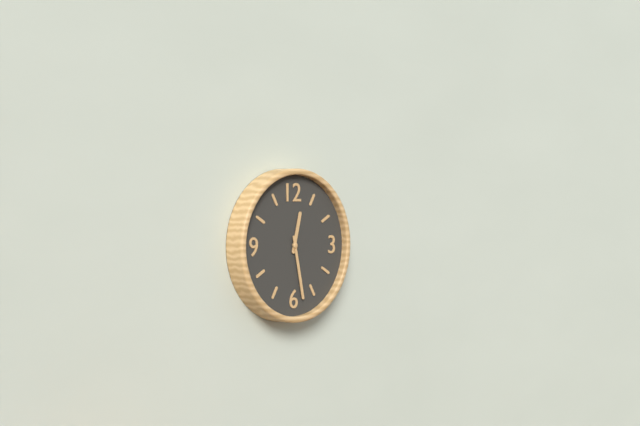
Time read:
**12:28**
